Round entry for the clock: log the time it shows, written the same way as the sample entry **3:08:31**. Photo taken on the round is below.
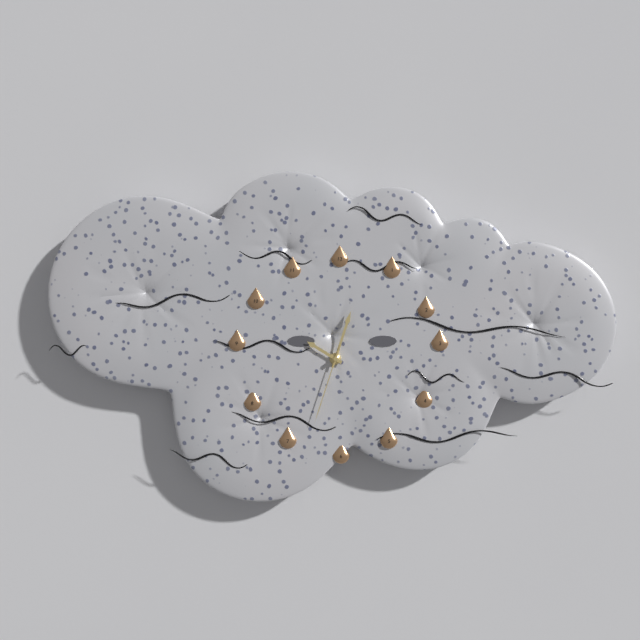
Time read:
**10:03:33**
